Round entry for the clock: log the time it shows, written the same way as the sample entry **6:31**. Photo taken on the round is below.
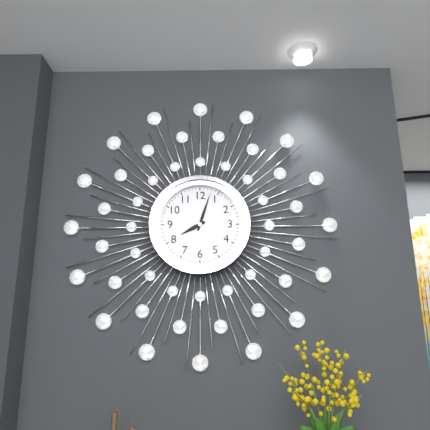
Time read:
**8:03**
